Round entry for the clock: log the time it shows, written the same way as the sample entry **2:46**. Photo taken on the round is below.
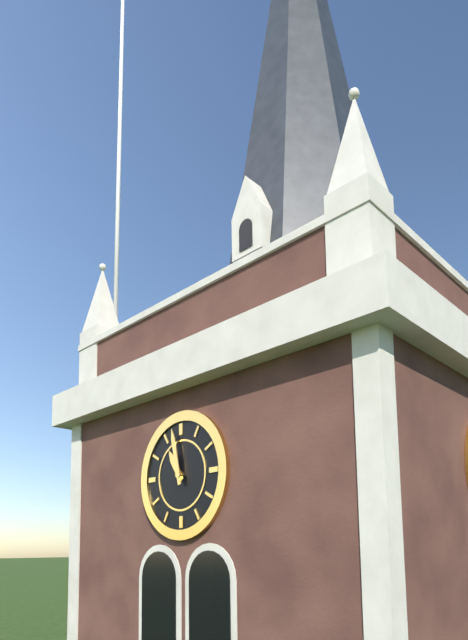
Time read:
**10:58**
